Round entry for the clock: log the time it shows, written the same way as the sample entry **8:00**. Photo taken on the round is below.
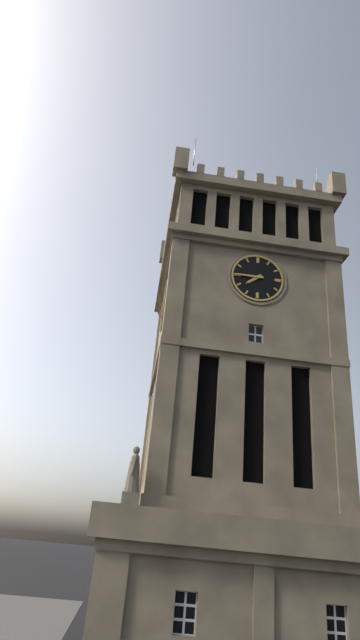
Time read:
**7:45**
